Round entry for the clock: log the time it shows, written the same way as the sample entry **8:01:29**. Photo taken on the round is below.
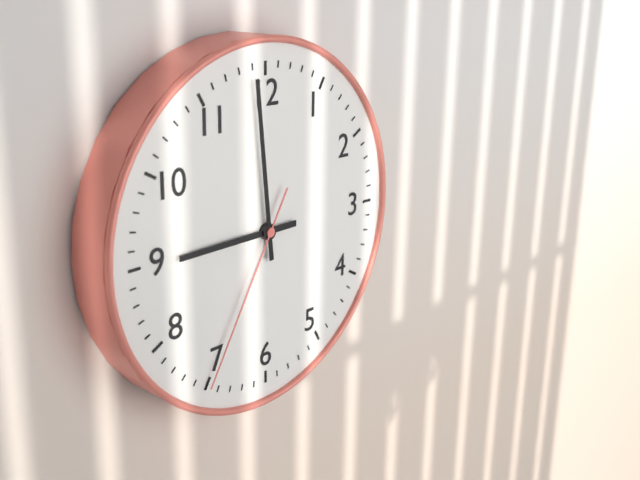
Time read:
**8:59:35**
